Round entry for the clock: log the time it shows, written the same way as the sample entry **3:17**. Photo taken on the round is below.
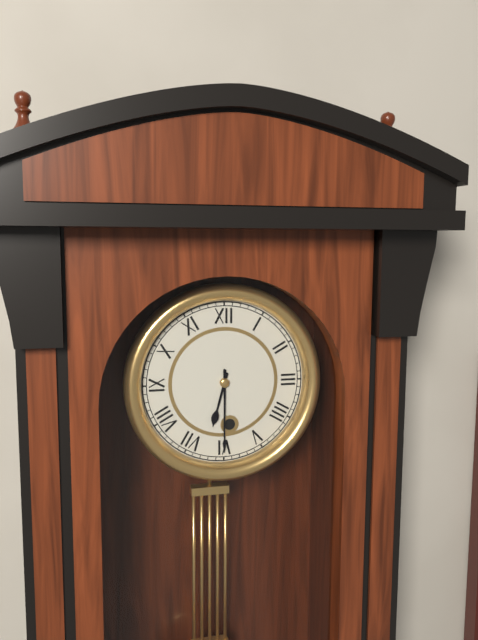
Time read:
**6:30**
